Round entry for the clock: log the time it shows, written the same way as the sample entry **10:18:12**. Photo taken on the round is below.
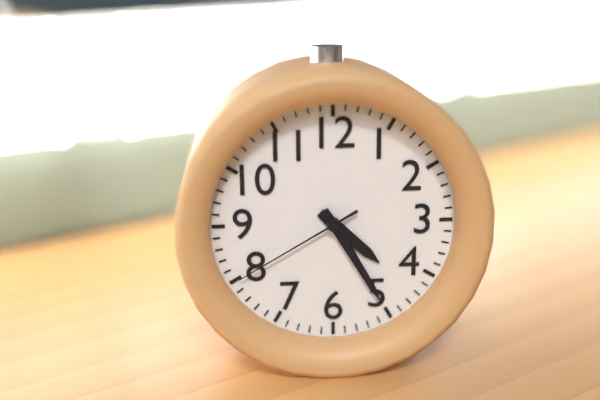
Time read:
**4:25:40**
